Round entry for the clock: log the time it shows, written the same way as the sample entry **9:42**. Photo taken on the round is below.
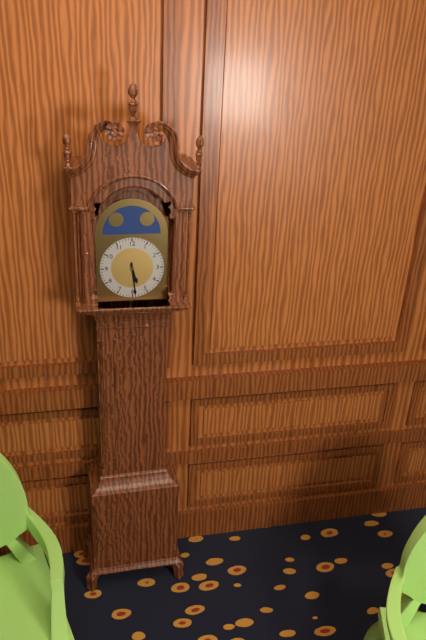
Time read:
**5:29**
